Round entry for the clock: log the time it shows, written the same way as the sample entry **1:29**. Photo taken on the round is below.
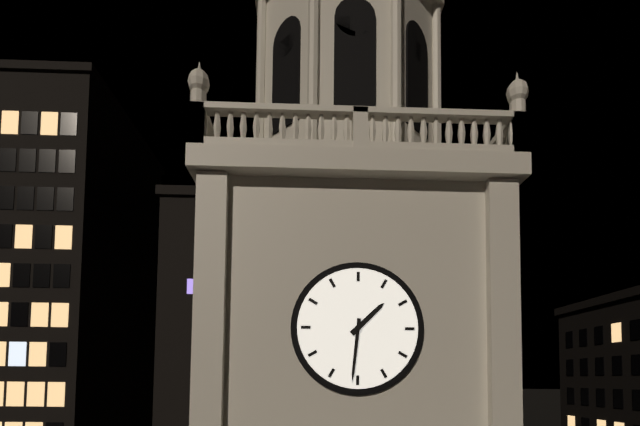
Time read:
**1:31**
